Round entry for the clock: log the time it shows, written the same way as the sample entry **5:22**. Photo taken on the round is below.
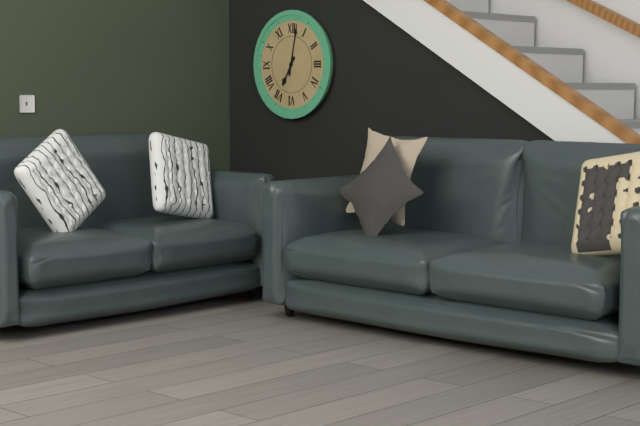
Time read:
**7:02**
